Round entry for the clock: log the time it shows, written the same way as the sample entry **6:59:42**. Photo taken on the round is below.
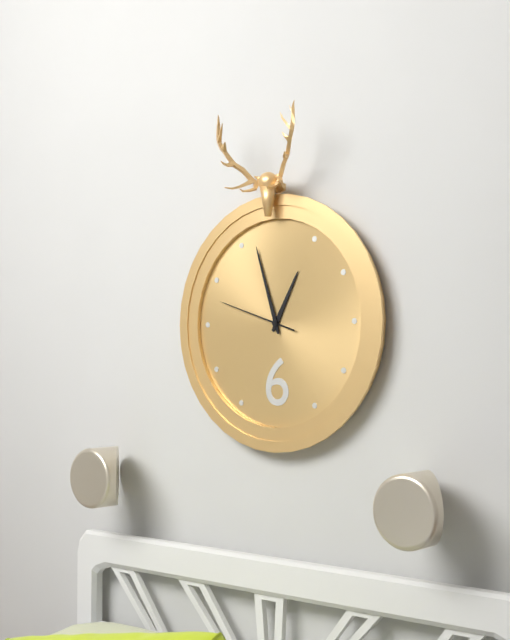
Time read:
**12:57:48**
